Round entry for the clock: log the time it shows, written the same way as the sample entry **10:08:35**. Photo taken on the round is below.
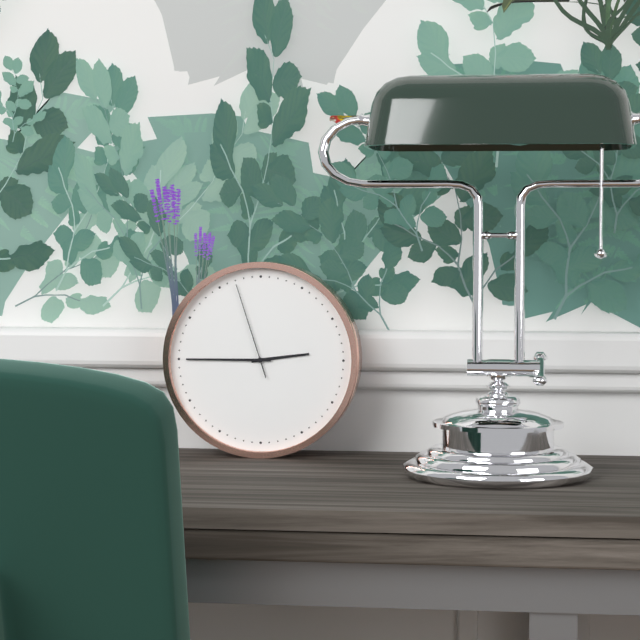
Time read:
**2:45:57**
